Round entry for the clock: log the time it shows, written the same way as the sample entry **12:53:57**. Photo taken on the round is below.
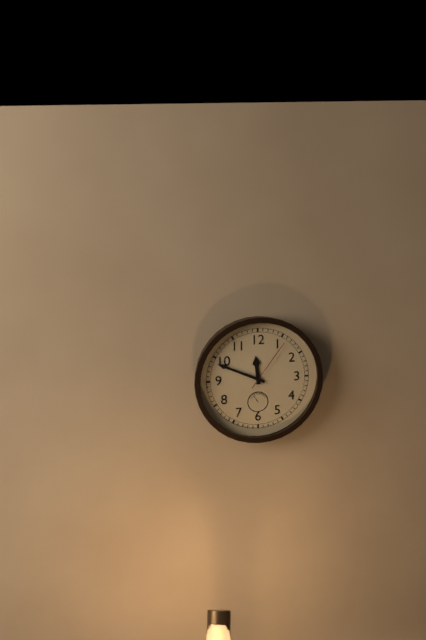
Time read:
**11:49:06**
